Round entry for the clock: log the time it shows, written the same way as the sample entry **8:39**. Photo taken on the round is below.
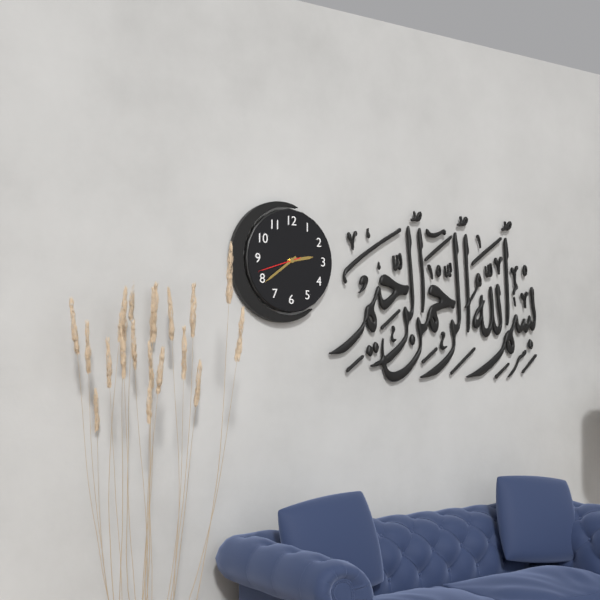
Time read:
**2:39**
